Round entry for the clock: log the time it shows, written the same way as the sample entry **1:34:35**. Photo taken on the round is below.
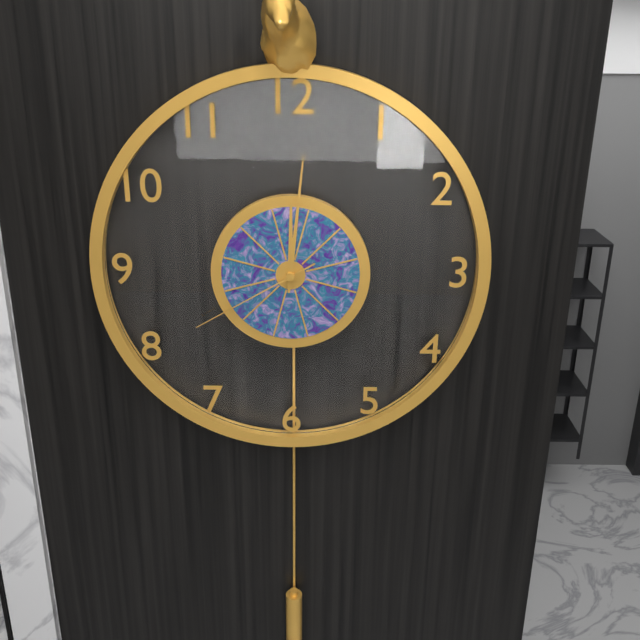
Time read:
**12:01:40**
